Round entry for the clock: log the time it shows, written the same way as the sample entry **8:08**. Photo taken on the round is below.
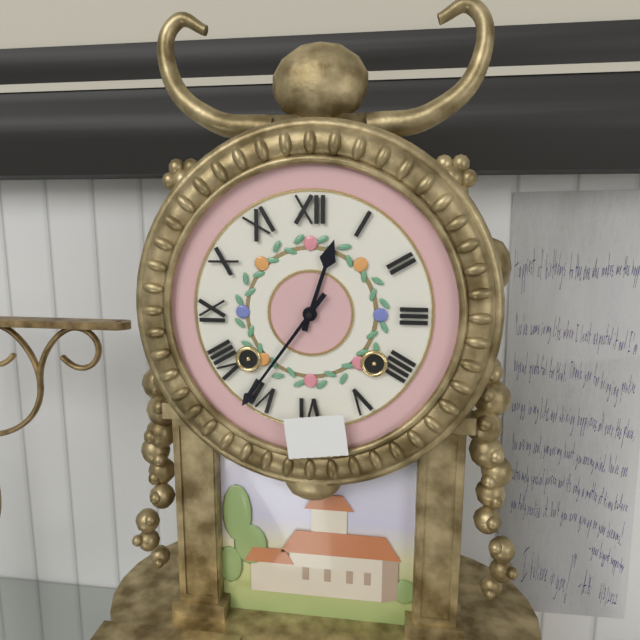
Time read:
**12:36**
